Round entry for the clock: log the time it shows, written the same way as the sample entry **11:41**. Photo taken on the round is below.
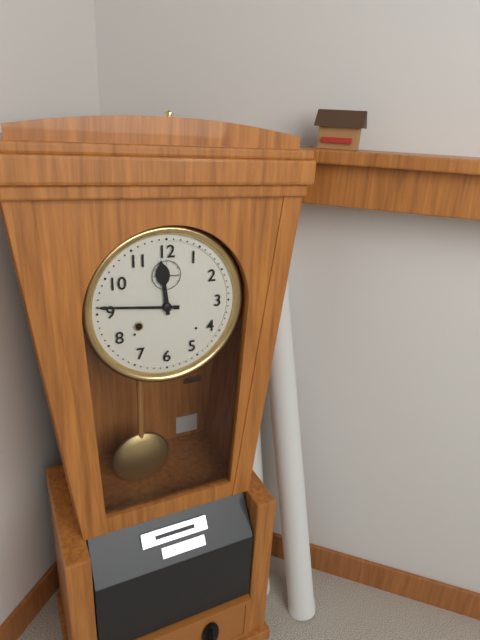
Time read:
**11:46**
